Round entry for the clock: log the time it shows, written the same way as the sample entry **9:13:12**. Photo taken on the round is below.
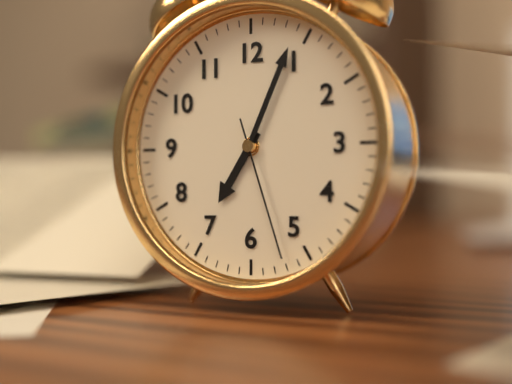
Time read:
**7:04:27**
